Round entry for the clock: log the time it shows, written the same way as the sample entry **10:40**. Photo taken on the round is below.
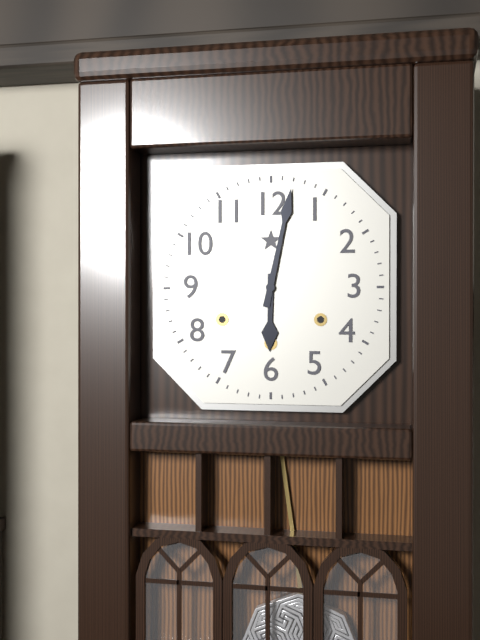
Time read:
**6:02**
